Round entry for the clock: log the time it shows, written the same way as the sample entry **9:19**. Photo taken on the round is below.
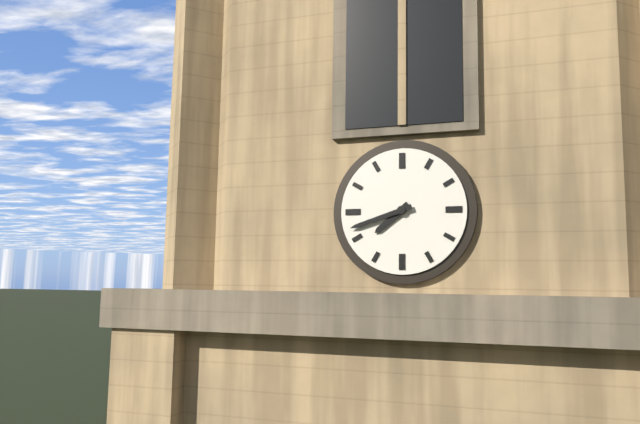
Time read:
**7:42**
